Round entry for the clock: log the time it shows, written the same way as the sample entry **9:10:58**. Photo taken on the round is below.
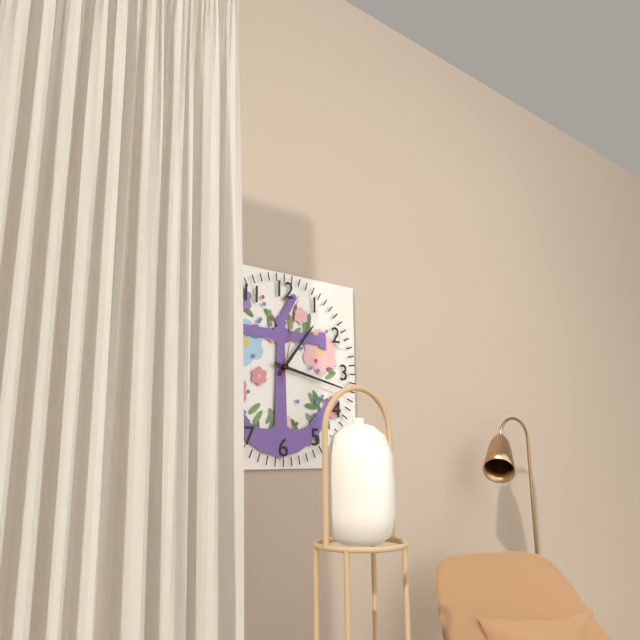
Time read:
**1:17:02**
